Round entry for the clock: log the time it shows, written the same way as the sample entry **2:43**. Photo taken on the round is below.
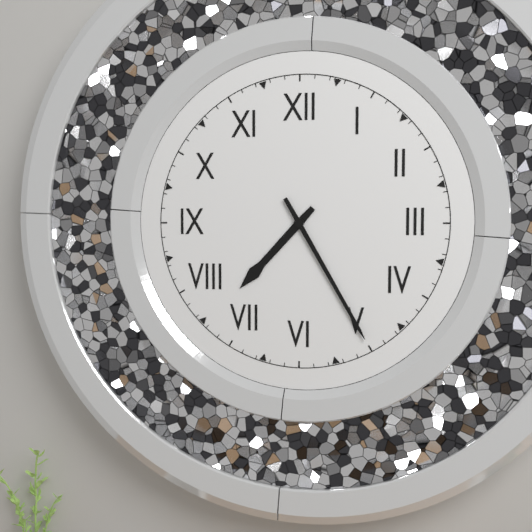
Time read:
**7:25**
